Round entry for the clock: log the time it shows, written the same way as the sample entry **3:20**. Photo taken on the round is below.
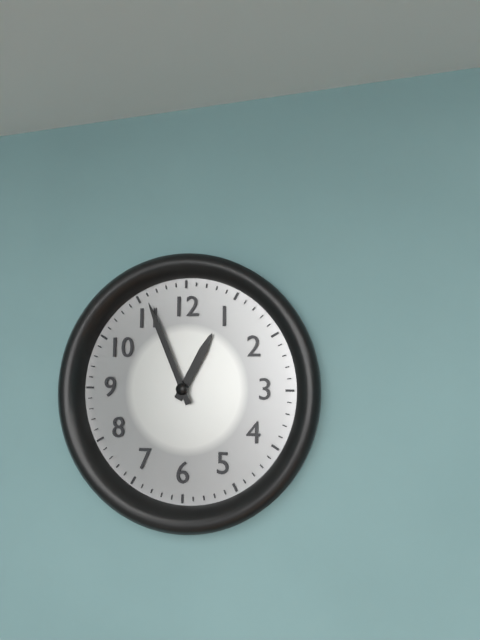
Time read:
**12:56**
